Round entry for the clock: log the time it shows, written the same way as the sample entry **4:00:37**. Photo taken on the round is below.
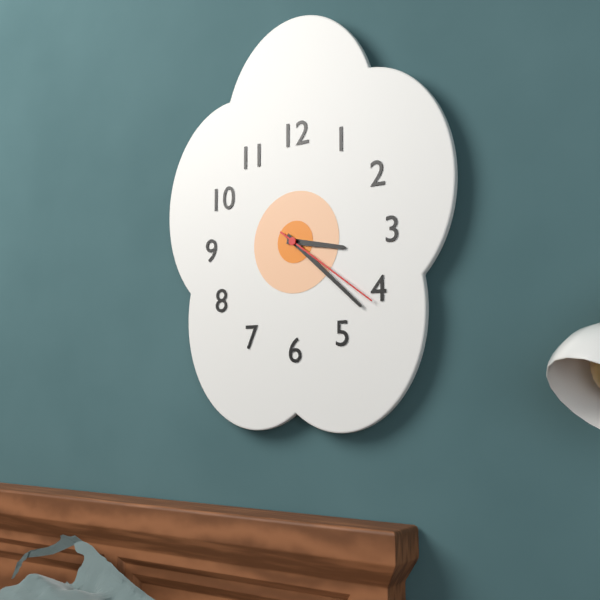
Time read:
**3:22:21**
